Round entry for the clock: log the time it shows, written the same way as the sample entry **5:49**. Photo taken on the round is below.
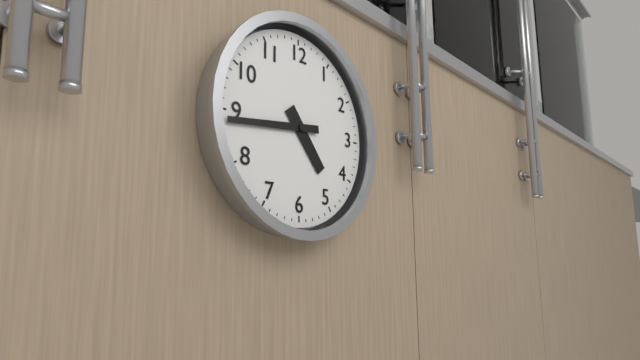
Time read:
**4:44**
